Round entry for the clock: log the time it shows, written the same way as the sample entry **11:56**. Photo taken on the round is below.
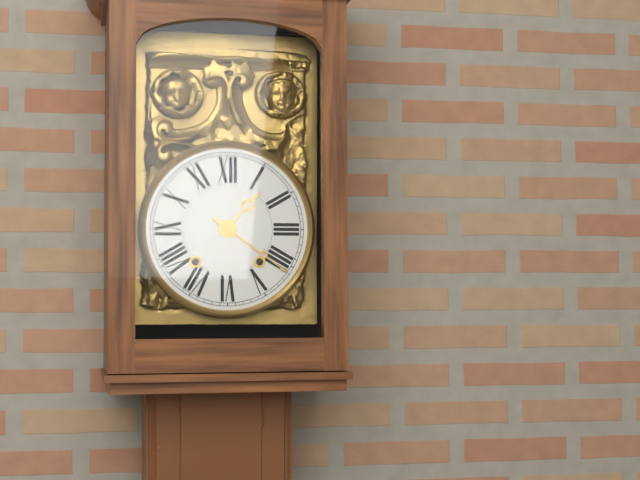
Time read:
**1:21**
